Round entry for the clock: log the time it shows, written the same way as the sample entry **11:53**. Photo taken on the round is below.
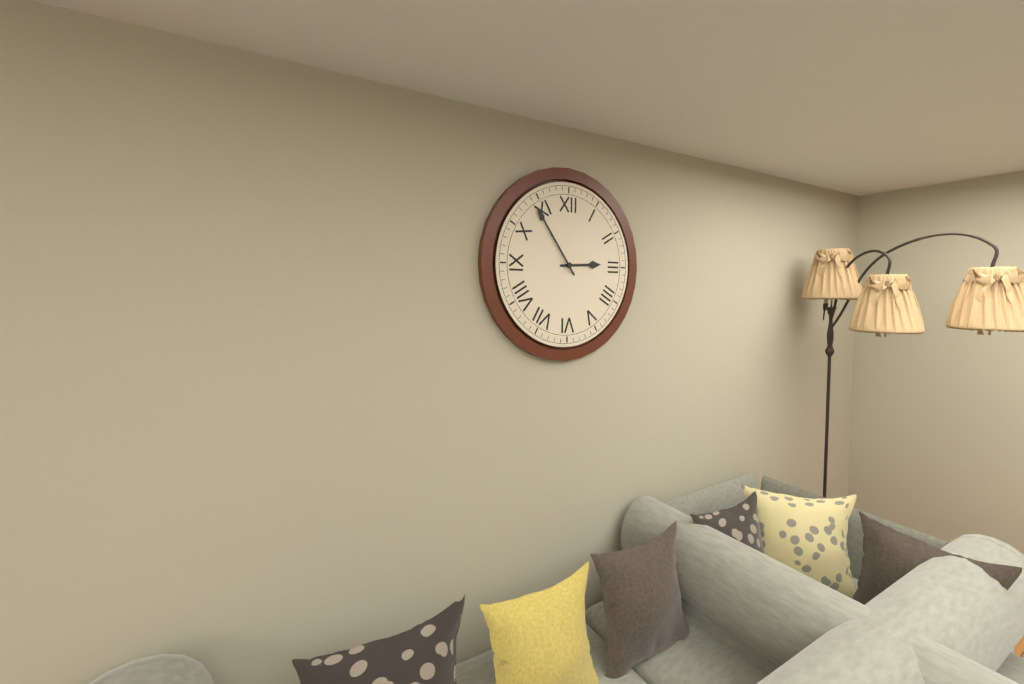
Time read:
**2:54**
